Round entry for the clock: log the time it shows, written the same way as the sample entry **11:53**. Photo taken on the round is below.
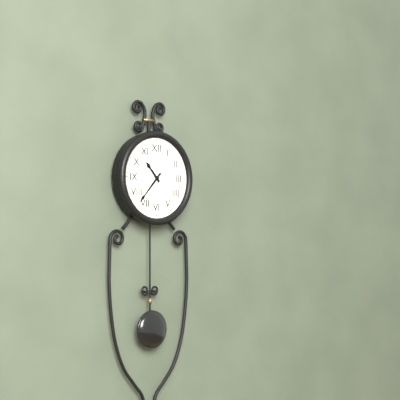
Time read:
**10:37**
